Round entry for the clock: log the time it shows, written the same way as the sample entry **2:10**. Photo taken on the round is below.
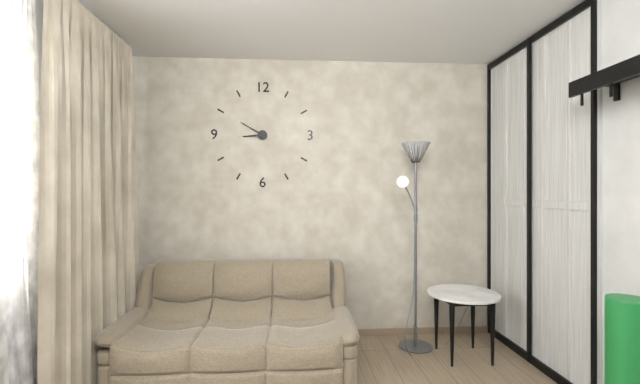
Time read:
**8:50**
